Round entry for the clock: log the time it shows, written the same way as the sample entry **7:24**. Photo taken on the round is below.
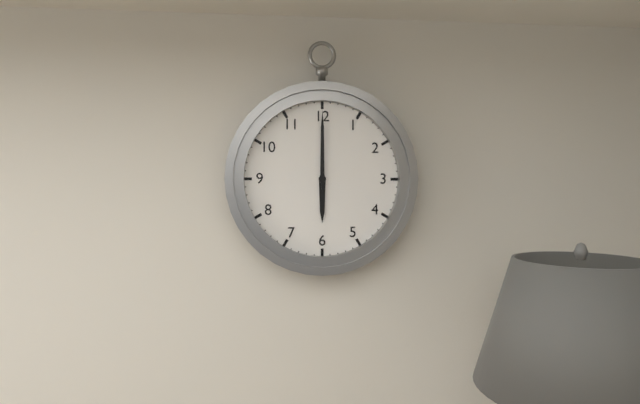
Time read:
**6:00**
